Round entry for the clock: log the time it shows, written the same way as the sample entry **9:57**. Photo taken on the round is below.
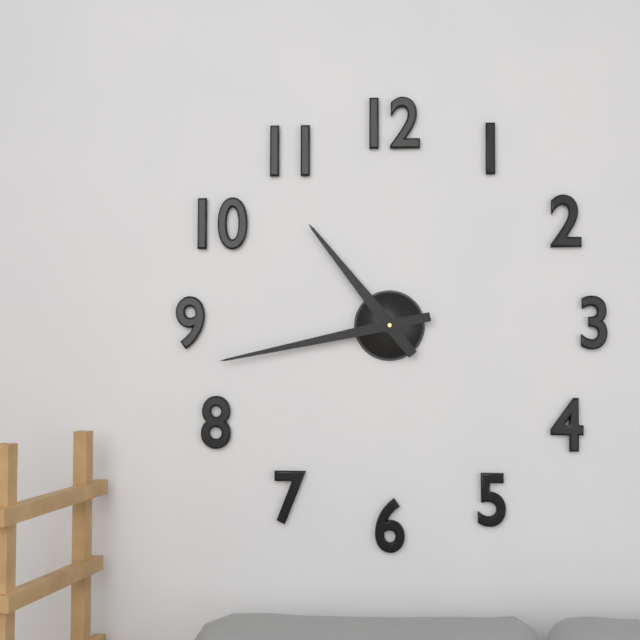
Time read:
**10:43**
